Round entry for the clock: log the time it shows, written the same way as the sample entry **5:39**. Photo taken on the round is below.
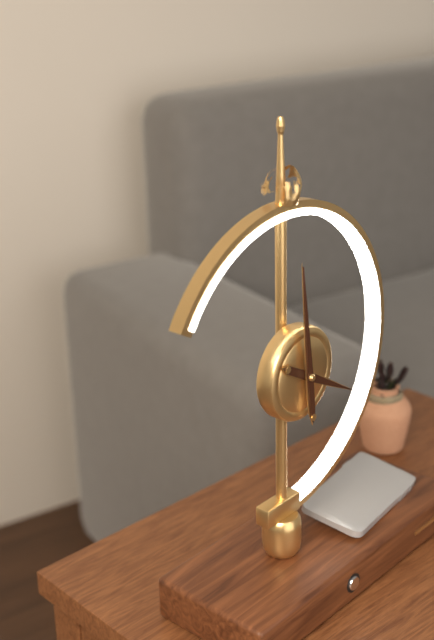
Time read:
**3:59**
